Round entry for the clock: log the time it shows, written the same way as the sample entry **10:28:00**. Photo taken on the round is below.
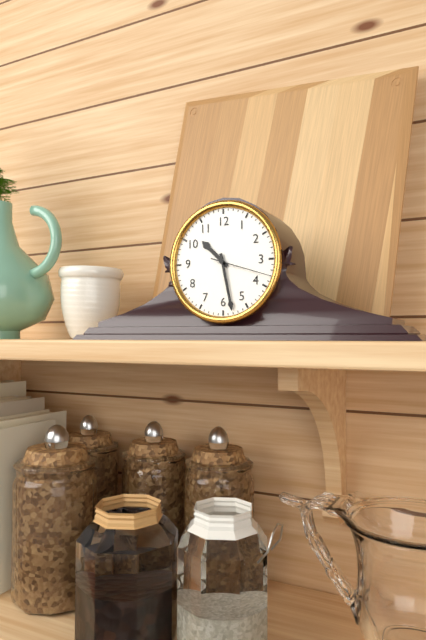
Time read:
**10:28:18**
